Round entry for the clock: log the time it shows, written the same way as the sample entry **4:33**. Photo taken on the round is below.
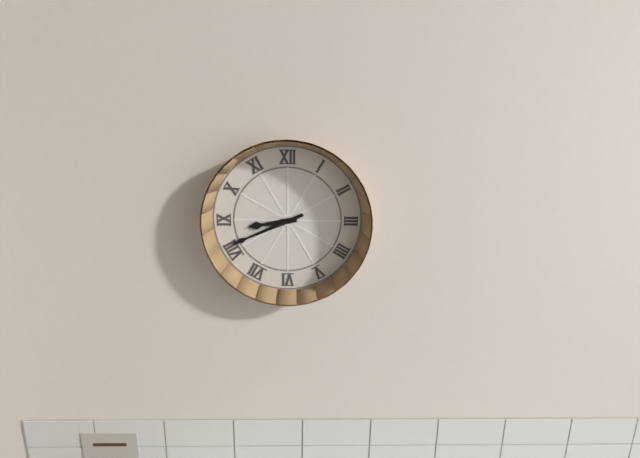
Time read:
**8:41**
